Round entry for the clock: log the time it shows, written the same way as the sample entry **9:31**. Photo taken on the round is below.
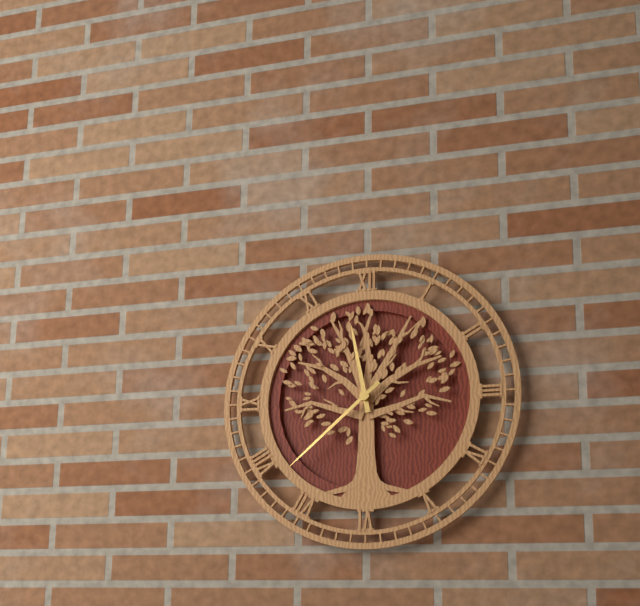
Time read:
**11:38**
